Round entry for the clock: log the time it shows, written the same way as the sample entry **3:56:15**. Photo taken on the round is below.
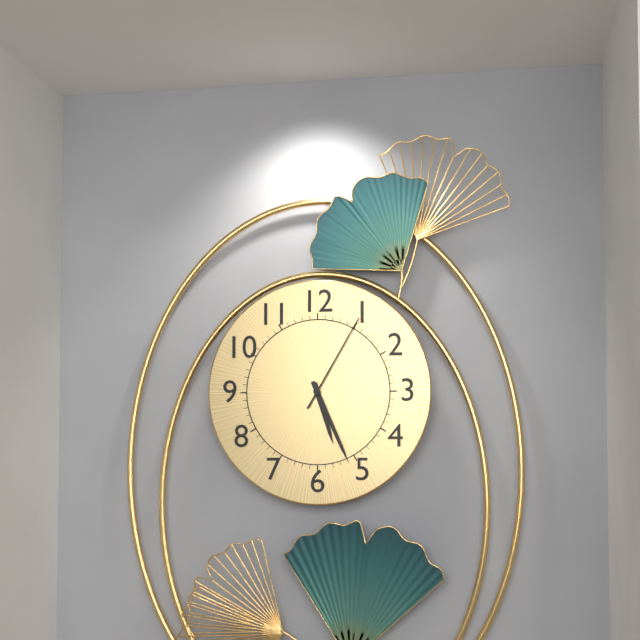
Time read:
**5:26:05**
